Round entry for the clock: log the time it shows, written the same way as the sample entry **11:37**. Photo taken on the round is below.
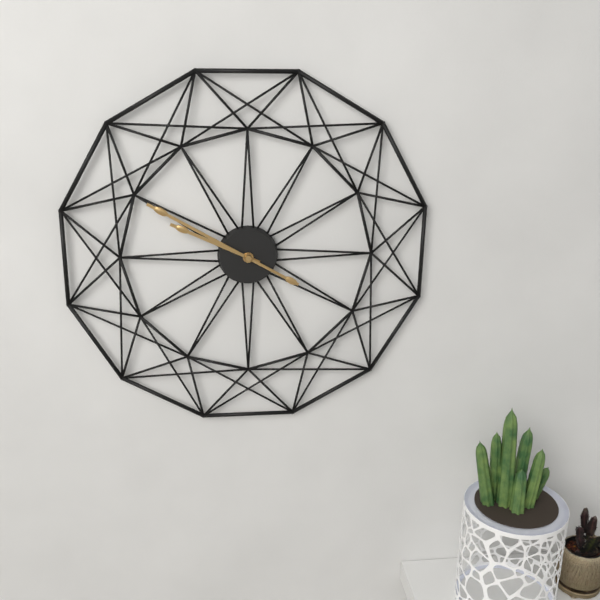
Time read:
**9:50**
